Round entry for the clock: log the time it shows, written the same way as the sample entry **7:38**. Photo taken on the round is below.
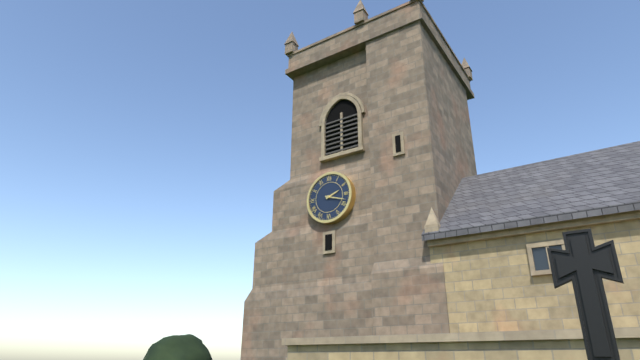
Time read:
**2:18**
